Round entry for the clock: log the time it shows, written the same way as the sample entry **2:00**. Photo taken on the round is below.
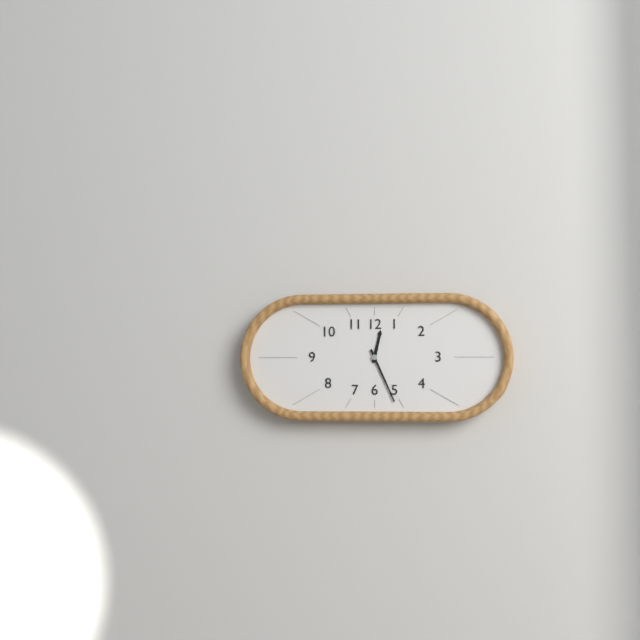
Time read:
**12:26**
